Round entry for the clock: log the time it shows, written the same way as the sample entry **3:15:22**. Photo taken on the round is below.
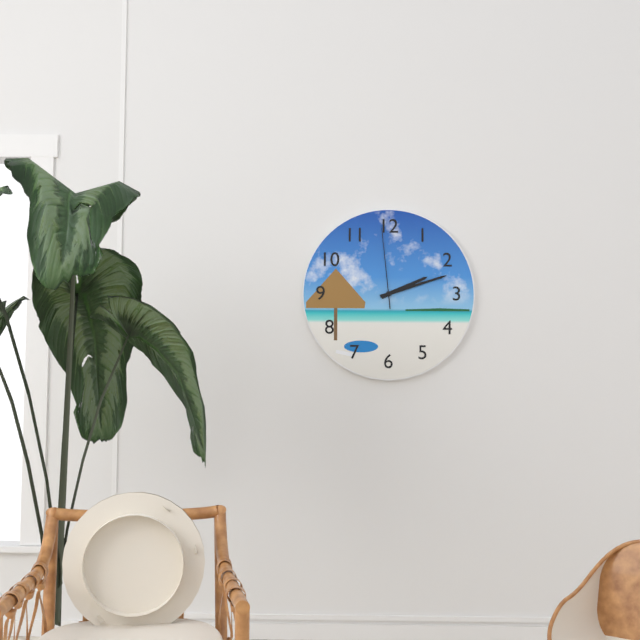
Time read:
**2:12:59**
